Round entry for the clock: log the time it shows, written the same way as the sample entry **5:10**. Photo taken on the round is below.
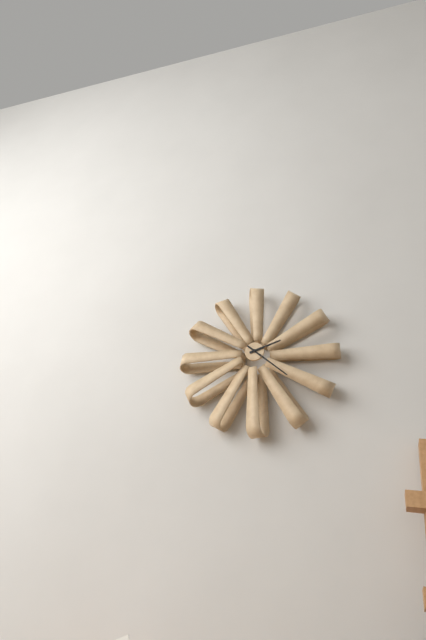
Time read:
**2:22**
